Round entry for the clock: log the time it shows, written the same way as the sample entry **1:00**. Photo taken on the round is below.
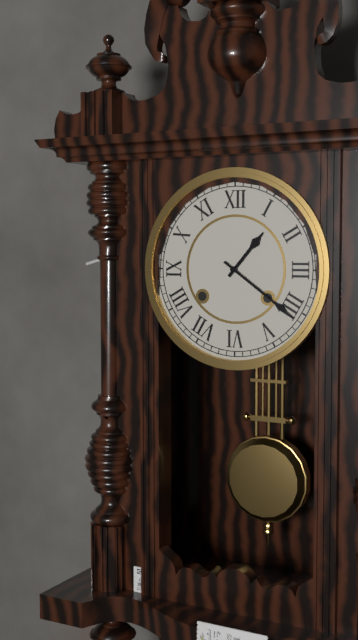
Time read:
**1:21**
